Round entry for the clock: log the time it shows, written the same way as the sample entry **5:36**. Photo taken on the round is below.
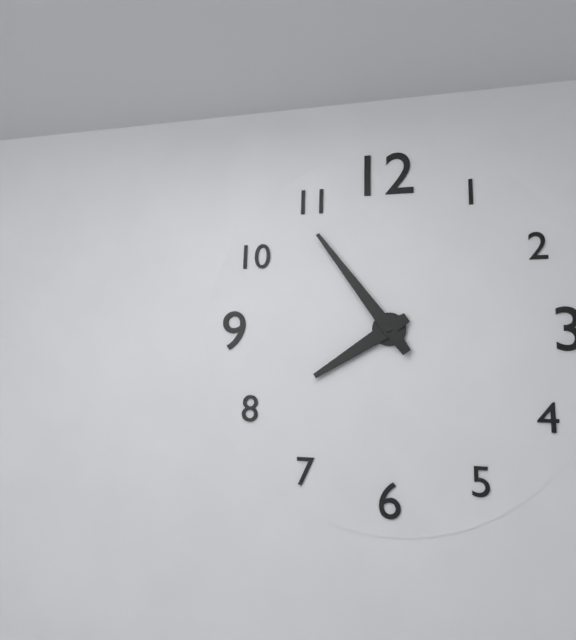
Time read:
**7:54**
